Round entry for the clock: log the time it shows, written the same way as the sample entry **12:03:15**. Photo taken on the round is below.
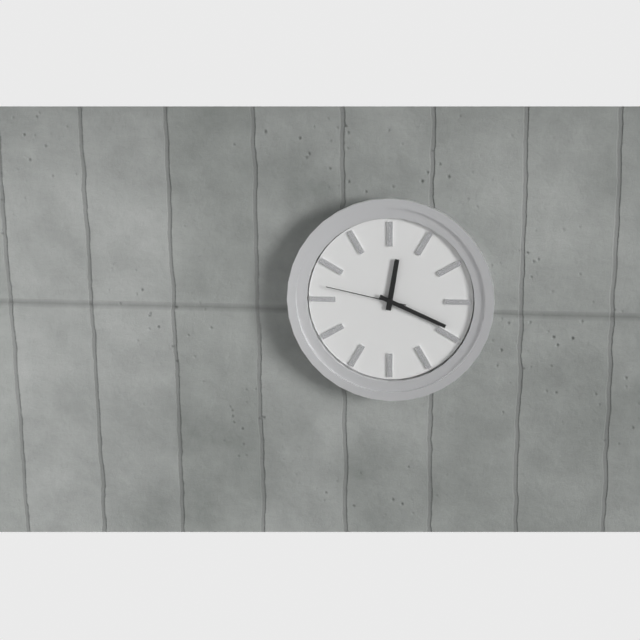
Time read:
**12:19:47**
